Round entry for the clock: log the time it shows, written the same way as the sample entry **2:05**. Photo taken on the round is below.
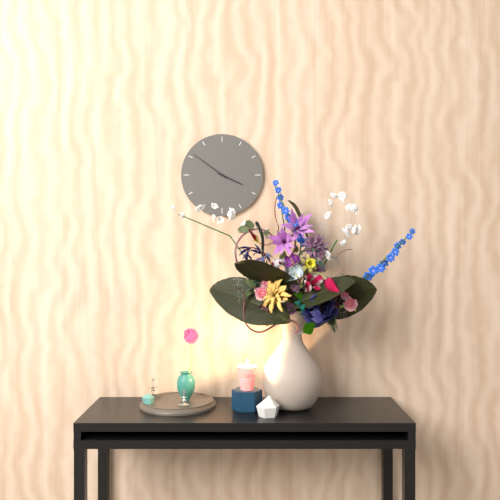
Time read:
**3:51**
